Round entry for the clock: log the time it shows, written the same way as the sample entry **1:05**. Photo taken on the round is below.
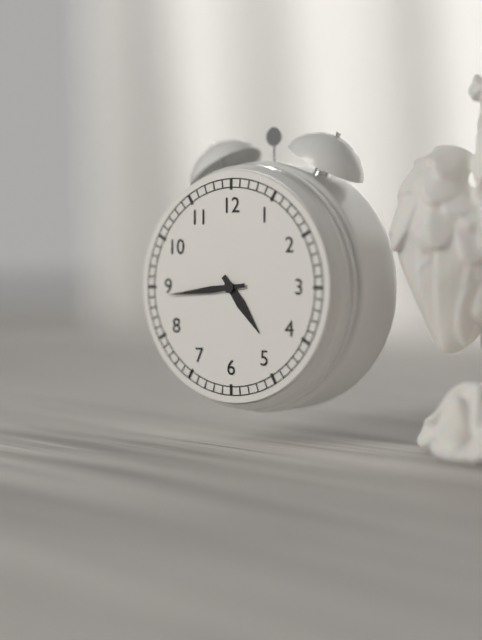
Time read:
**4:44**
